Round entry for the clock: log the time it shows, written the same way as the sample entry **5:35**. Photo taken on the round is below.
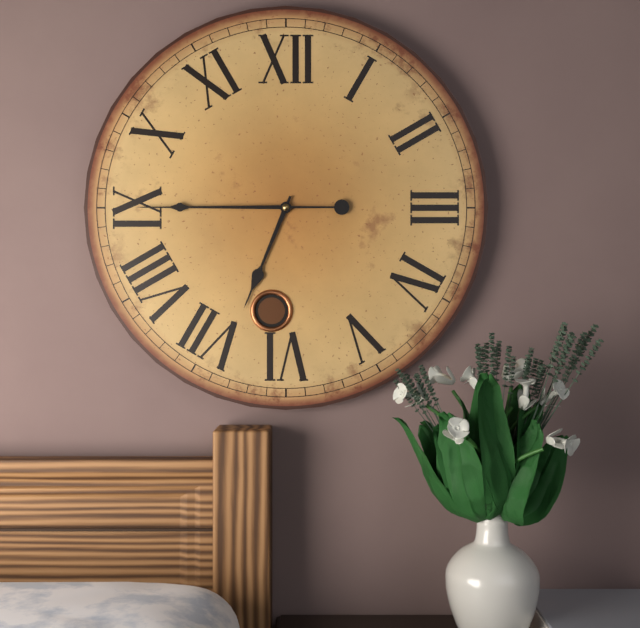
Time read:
**6:45**
